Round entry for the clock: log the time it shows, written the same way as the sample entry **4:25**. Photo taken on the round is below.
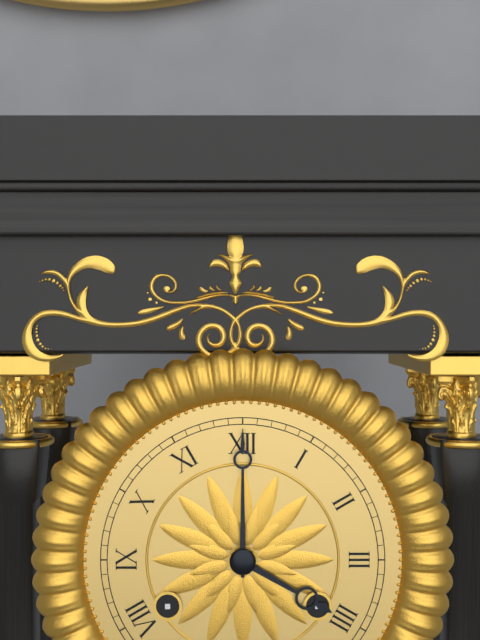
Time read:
**4:00**
